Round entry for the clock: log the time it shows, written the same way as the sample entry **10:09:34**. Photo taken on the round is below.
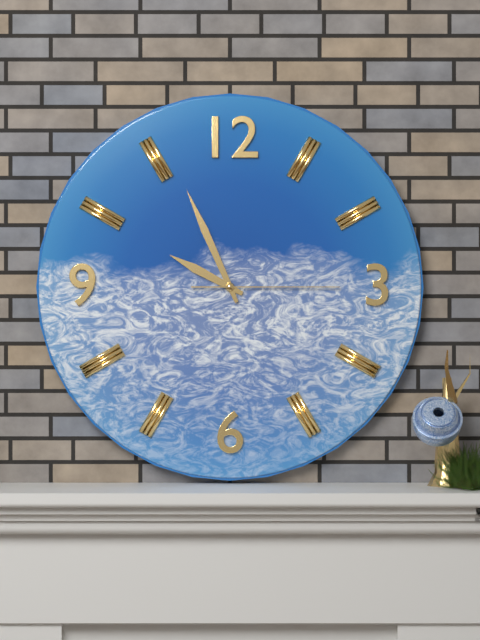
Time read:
**9:56:15**
